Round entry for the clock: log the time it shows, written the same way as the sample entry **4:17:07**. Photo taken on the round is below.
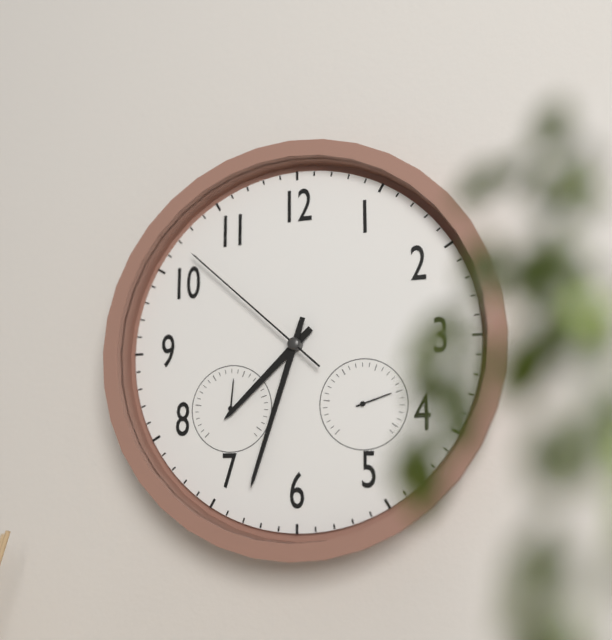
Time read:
**7:33:52**
